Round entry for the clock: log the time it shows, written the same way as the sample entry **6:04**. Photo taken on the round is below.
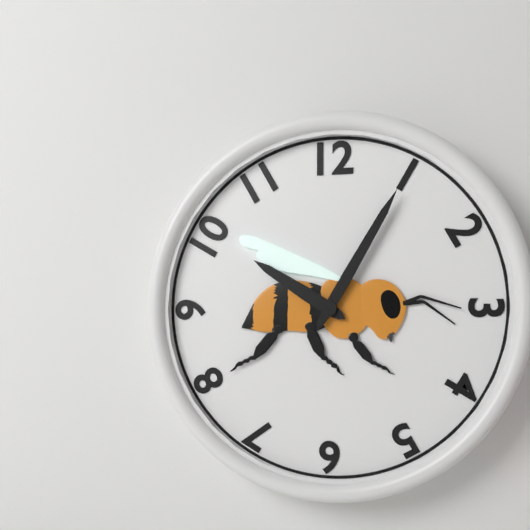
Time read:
**10:05**
